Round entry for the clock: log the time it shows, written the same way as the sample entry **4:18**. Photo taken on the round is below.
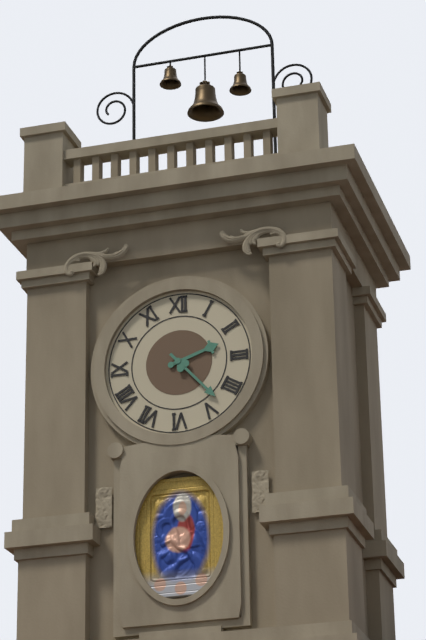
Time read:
**2:23**
